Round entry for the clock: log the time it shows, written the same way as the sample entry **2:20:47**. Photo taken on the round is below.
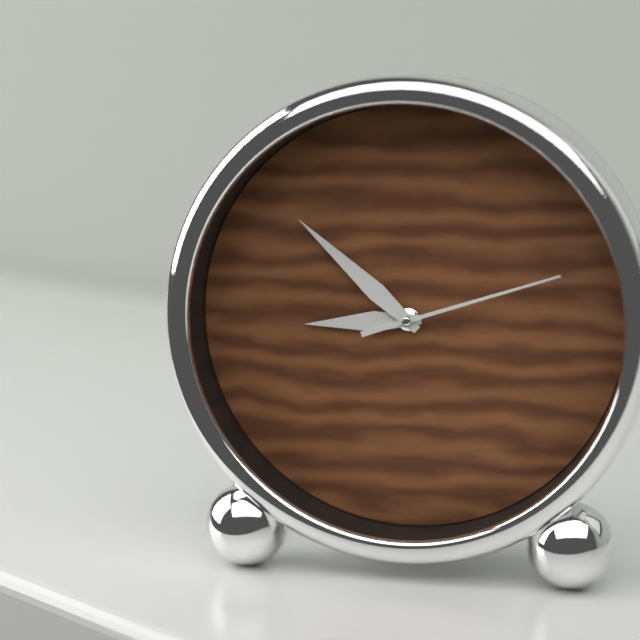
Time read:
**8:52:12**
